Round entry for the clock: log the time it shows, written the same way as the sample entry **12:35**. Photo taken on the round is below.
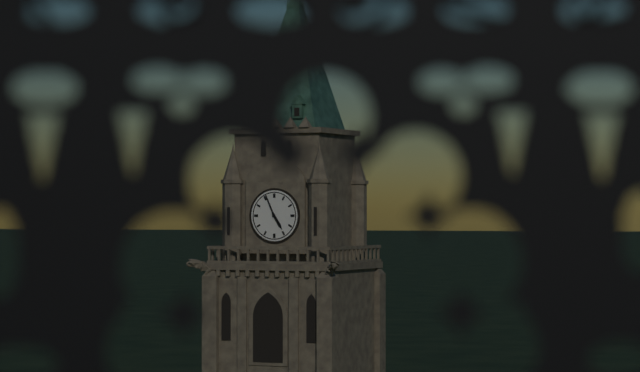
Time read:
**4:56**
